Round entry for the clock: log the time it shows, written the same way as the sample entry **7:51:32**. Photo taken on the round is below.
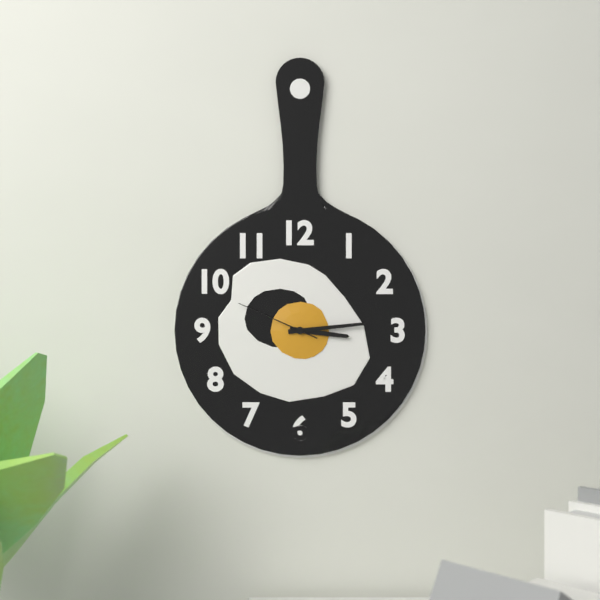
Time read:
**3:14:49**
